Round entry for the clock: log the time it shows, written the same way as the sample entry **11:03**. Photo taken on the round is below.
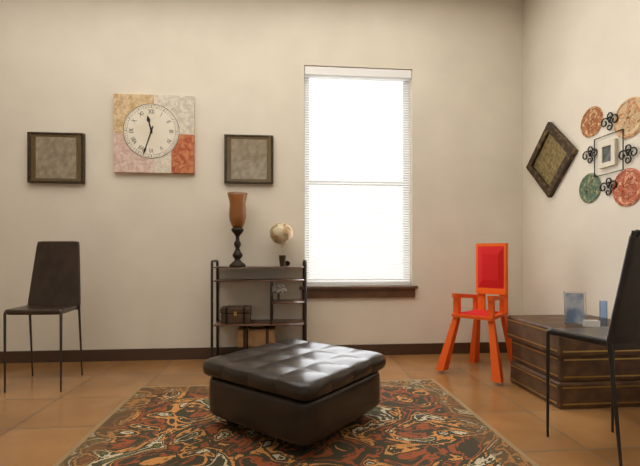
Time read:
**11:33**
